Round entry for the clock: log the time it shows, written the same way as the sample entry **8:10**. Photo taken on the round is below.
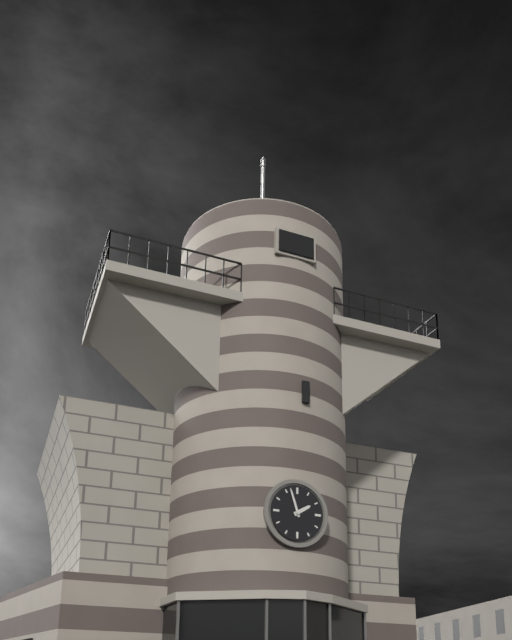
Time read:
**1:57**
